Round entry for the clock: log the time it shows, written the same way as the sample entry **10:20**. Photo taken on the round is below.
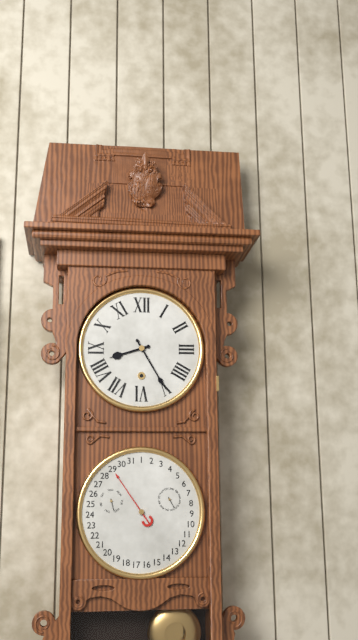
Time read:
**8:25**
